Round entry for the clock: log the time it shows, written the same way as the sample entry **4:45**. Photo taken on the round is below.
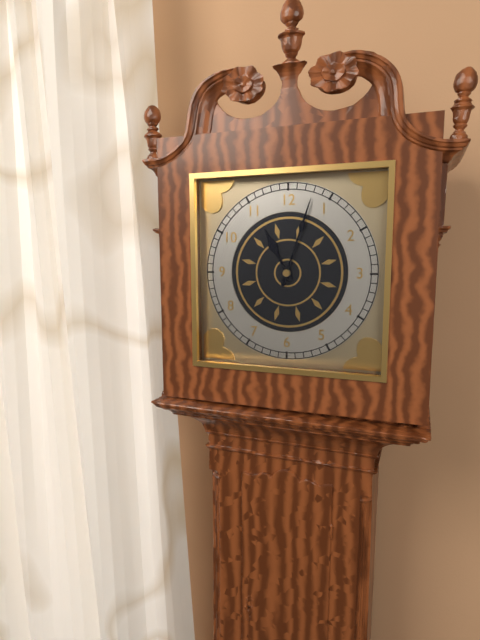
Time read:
**11:03**
